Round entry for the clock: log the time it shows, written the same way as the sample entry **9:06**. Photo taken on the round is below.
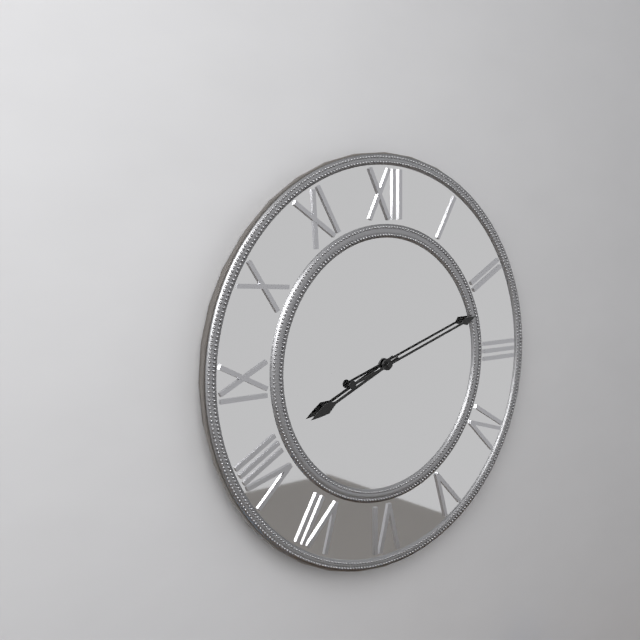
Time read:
**8:12**
